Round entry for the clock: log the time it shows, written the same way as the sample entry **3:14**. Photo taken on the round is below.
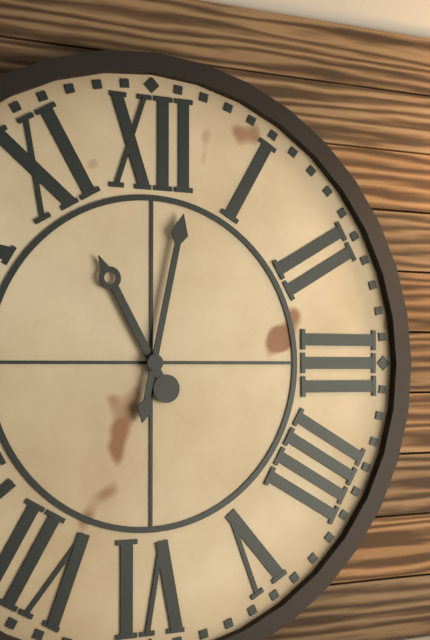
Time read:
**11:02**
